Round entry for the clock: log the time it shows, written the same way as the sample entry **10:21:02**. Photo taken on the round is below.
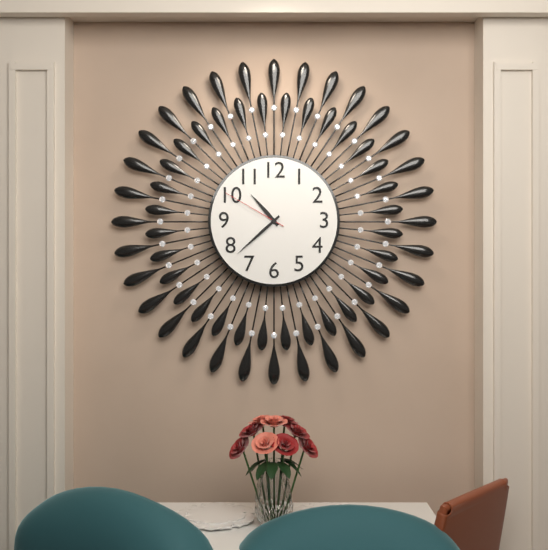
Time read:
**10:38:50**
